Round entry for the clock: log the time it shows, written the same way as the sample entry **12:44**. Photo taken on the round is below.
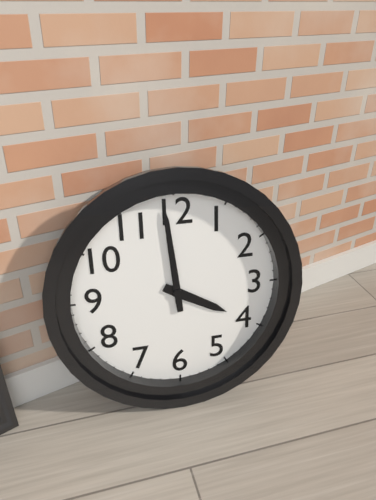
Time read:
**3:59**
